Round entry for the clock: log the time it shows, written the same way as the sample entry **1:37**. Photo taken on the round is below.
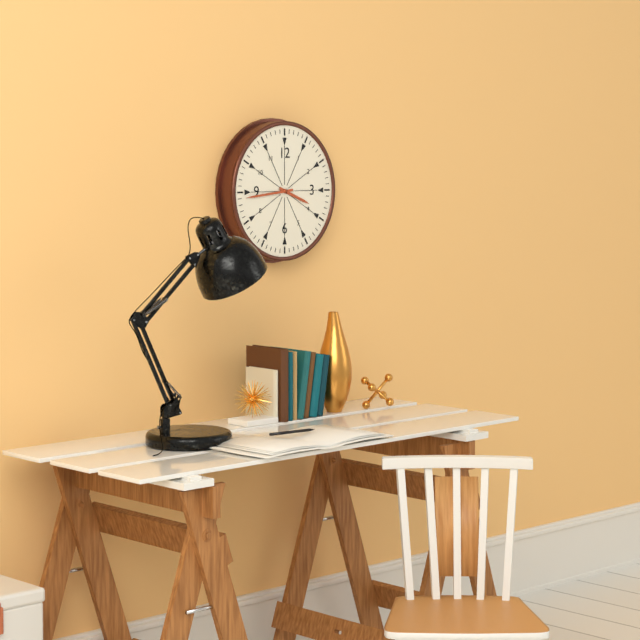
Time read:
**3:44**
